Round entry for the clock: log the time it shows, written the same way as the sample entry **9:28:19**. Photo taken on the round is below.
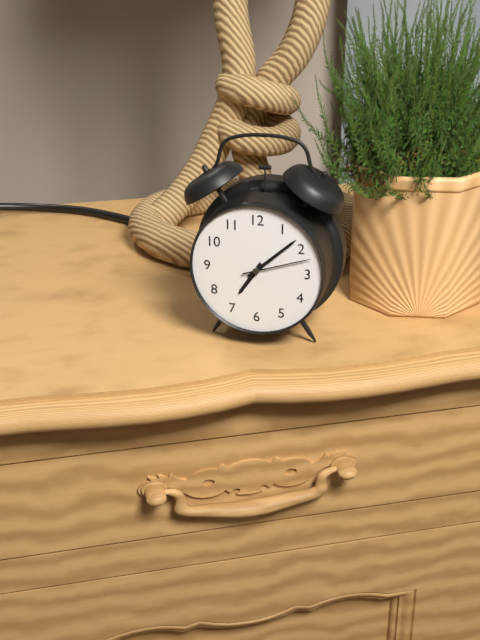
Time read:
**7:08:12**
